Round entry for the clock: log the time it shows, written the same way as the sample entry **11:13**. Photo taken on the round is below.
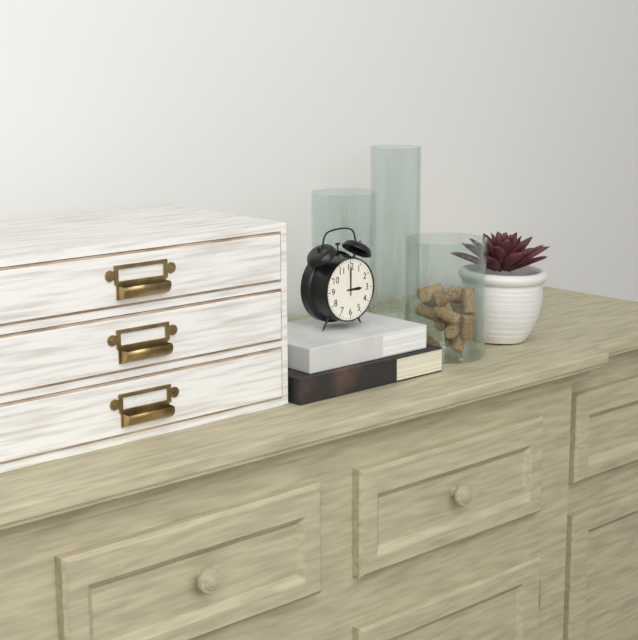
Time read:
**3:00**
